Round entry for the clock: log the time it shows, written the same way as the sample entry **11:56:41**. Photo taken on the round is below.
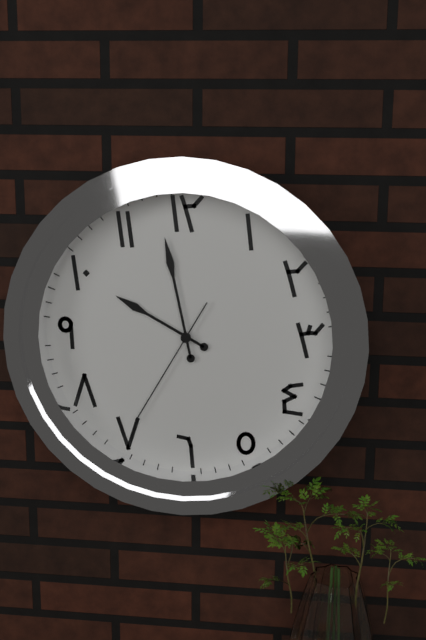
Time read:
**9:58:35**
